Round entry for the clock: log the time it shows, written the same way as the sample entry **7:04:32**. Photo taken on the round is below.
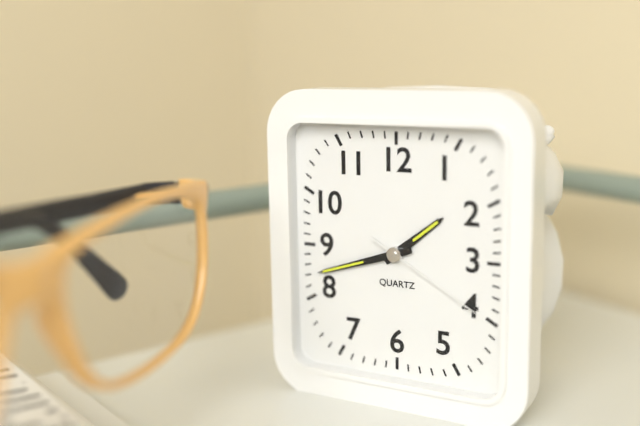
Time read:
**1:42:20**
